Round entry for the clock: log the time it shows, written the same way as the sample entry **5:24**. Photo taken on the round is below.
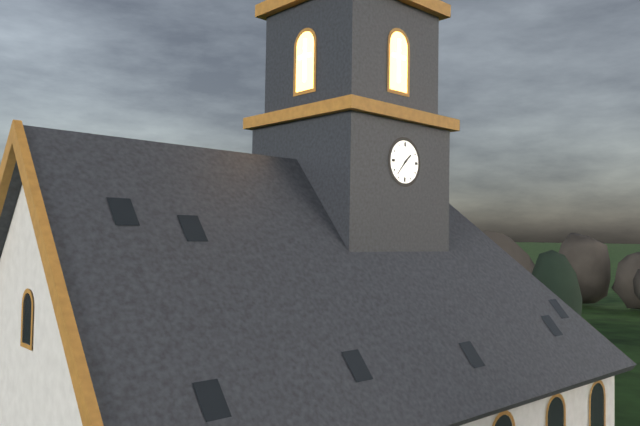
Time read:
**1:37**
